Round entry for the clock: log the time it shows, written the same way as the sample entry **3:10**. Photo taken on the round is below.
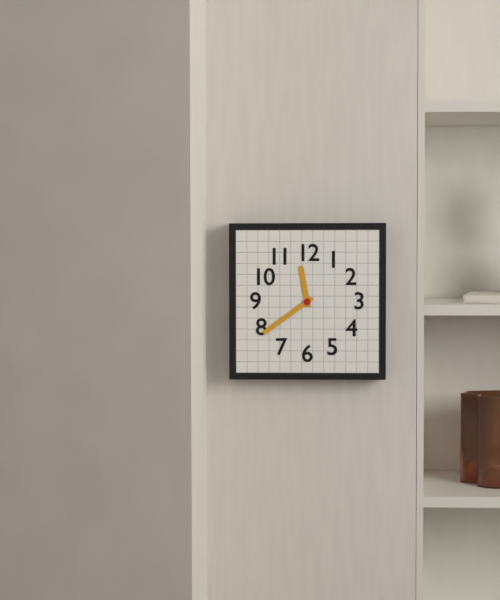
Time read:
**11:39**
